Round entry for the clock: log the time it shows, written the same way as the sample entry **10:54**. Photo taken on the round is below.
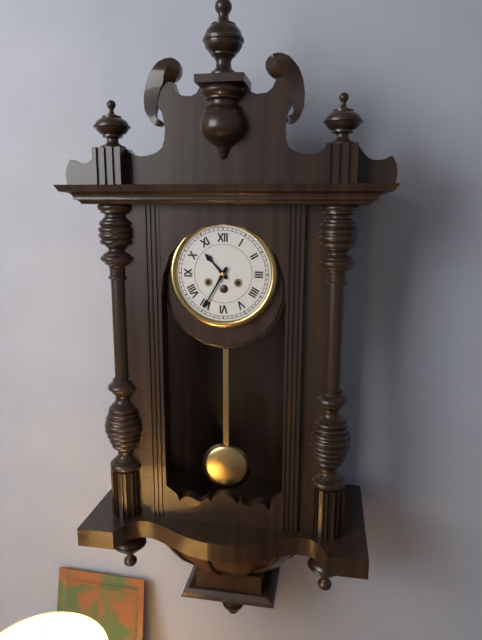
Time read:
**10:35**
